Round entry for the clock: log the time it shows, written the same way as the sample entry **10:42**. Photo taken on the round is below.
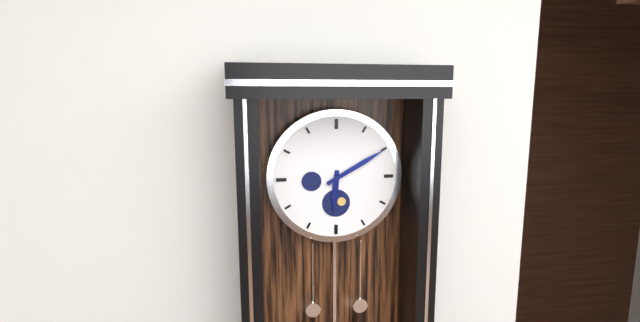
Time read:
**6:10**
